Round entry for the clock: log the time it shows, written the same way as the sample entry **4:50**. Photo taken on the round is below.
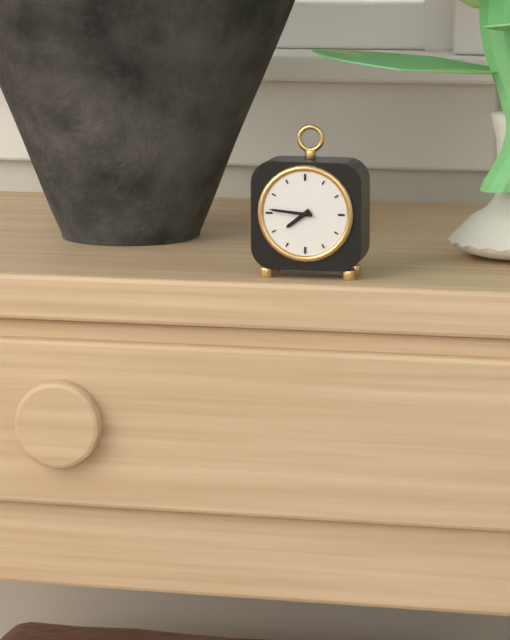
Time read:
**7:46**
